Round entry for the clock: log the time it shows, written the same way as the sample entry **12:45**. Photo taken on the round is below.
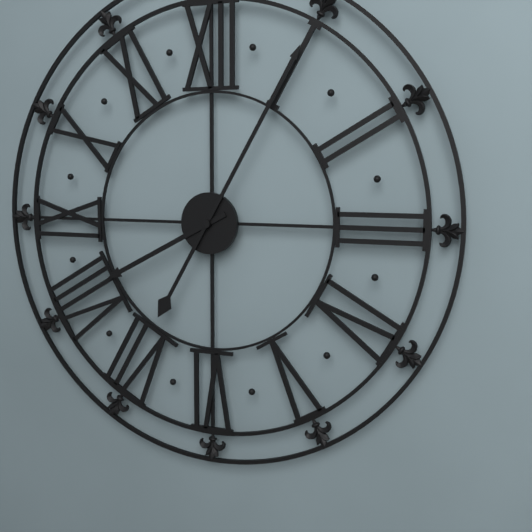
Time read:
**8:05**
